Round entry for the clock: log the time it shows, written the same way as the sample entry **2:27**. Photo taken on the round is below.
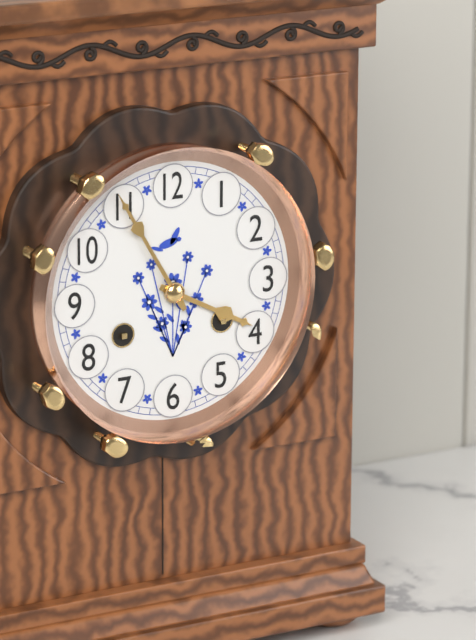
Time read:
**3:55**
